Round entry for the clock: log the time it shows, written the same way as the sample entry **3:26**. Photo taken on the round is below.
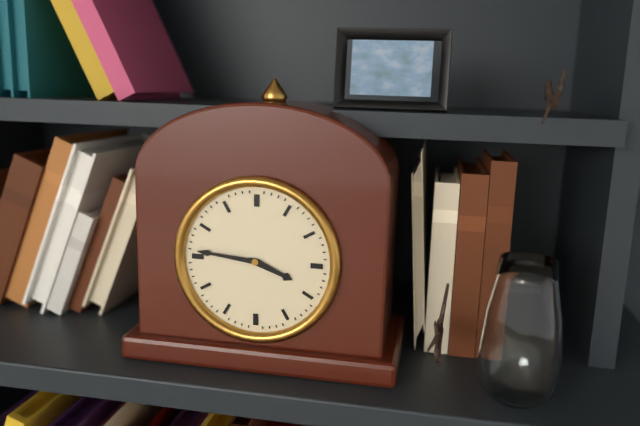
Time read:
**3:46**
